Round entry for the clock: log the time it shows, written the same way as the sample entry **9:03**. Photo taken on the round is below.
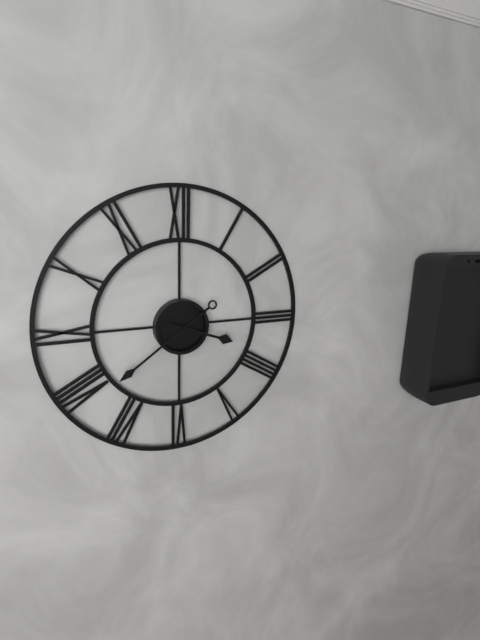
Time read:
**3:39**
